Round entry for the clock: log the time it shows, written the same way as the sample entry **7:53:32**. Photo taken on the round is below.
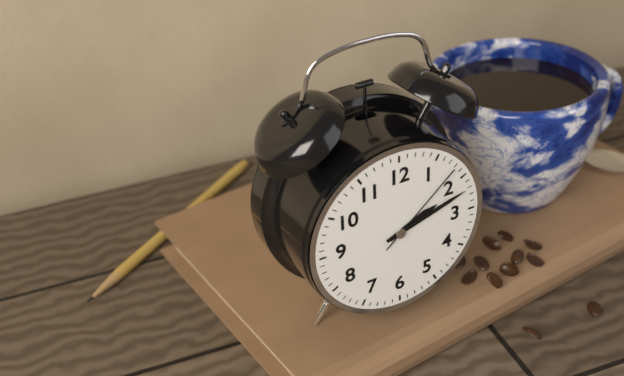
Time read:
**2:12:08**
